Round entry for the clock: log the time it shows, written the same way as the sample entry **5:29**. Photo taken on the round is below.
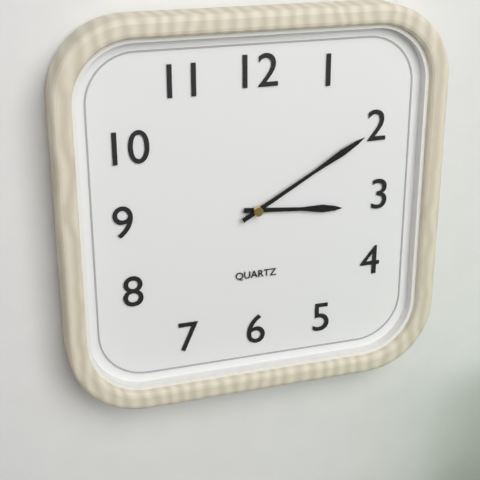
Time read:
**3:10**
